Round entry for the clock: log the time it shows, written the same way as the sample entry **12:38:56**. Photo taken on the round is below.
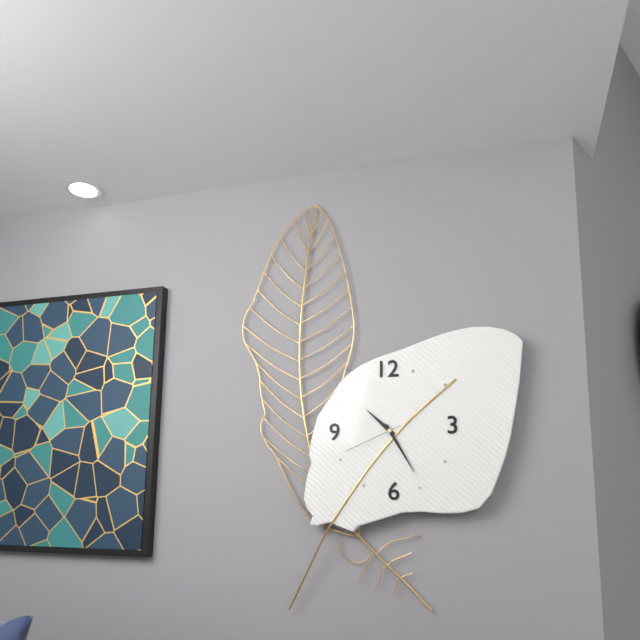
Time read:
**10:25:41**
